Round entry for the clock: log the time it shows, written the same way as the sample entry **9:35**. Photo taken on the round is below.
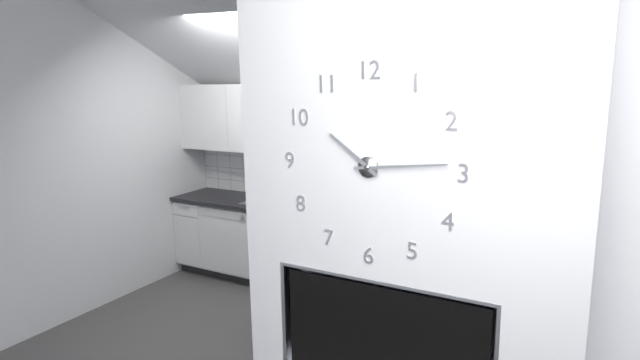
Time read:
**10:14**
